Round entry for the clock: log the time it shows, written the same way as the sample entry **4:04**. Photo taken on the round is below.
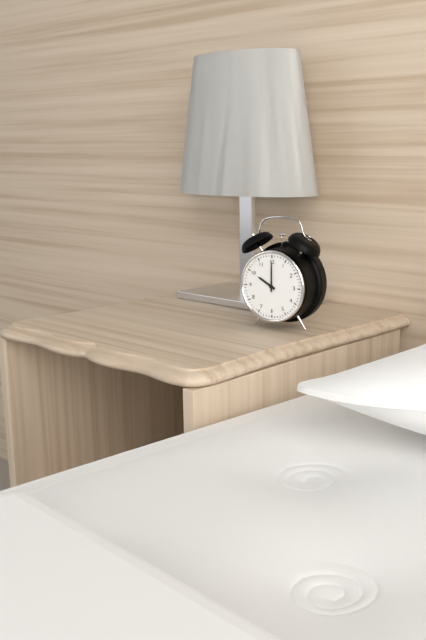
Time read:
**10:00**
